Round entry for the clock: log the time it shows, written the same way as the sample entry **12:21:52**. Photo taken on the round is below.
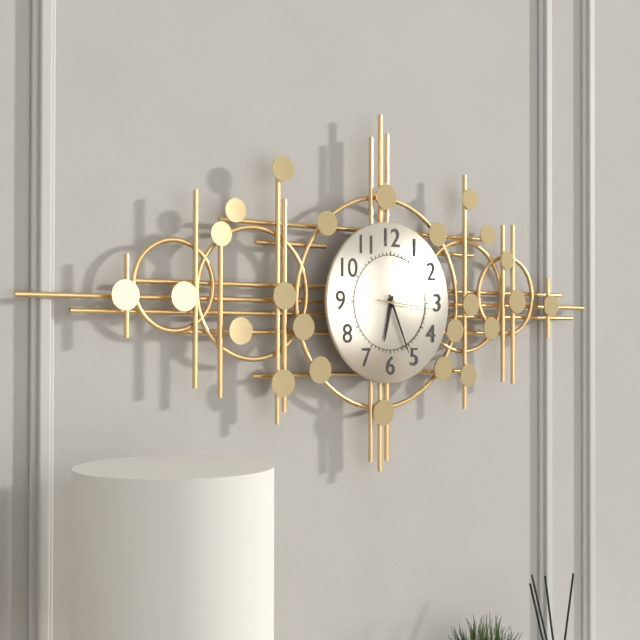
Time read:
**6:26:16**
